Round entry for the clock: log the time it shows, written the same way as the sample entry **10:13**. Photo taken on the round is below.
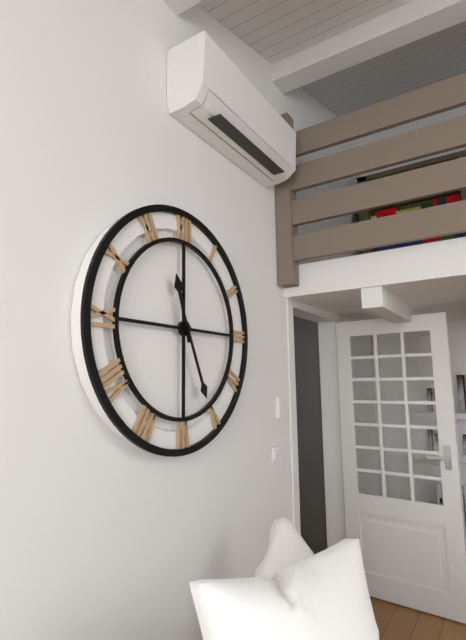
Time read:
**11:26**
